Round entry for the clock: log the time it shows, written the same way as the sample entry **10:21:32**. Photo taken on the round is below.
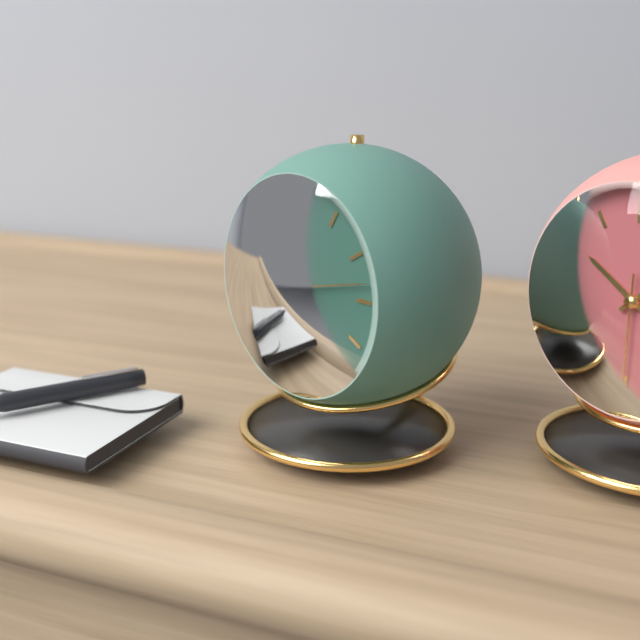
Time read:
**10:30:13**
